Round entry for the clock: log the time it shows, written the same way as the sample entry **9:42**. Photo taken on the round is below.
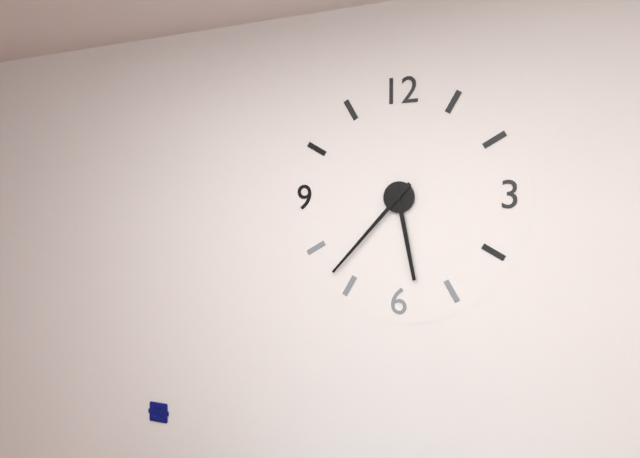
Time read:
**5:37**
